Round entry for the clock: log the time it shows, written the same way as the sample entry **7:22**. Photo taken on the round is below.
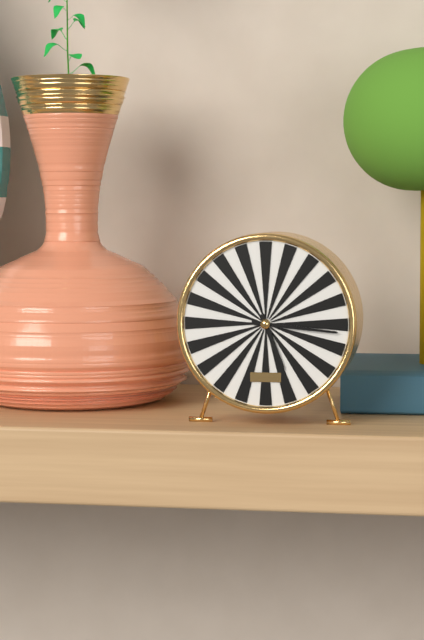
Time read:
**5:16**
